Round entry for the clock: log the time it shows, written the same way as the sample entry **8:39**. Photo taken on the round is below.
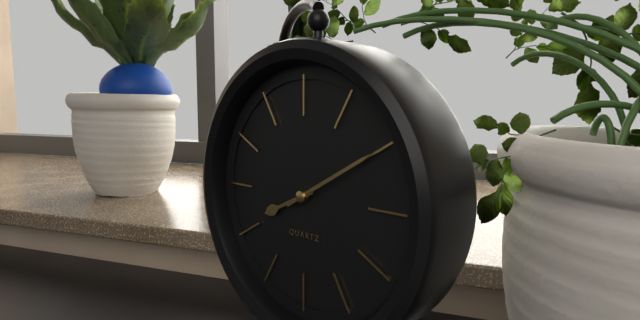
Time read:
**8:10**
